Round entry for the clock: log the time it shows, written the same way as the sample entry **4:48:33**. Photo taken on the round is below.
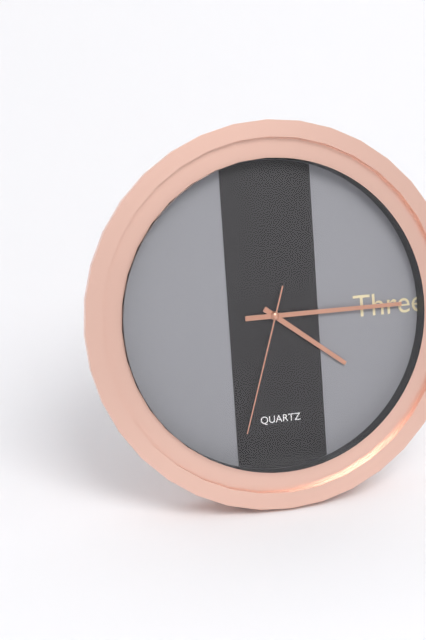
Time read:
**4:15:33**
